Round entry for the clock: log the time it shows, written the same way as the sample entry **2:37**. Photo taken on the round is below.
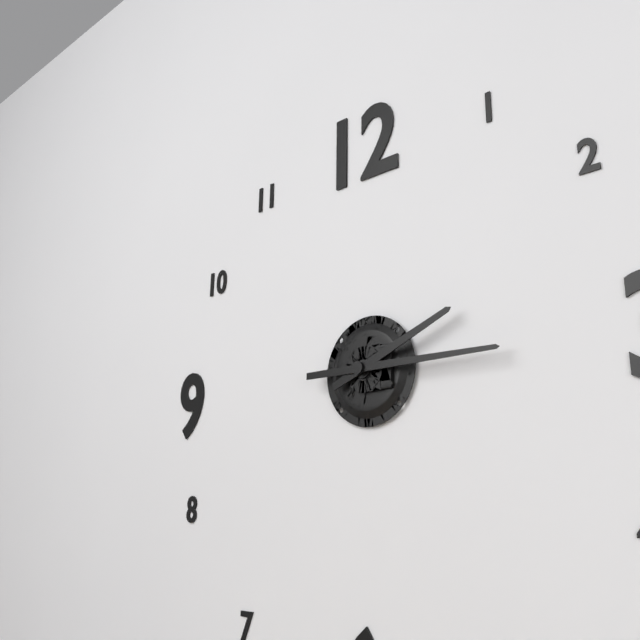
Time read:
**2:15**
